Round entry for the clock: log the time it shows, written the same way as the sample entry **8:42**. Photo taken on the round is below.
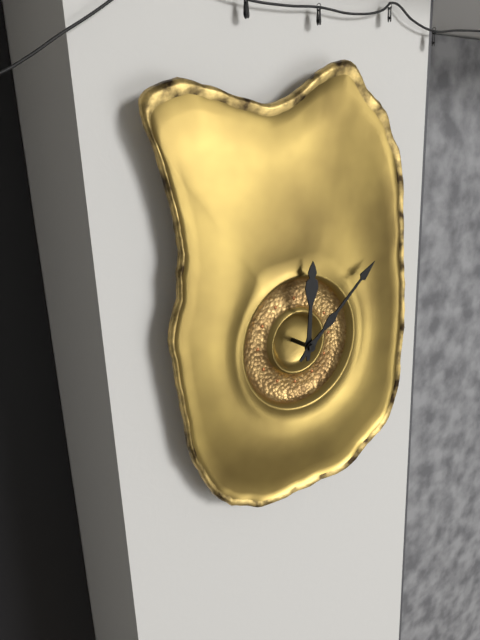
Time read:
**12:08**
